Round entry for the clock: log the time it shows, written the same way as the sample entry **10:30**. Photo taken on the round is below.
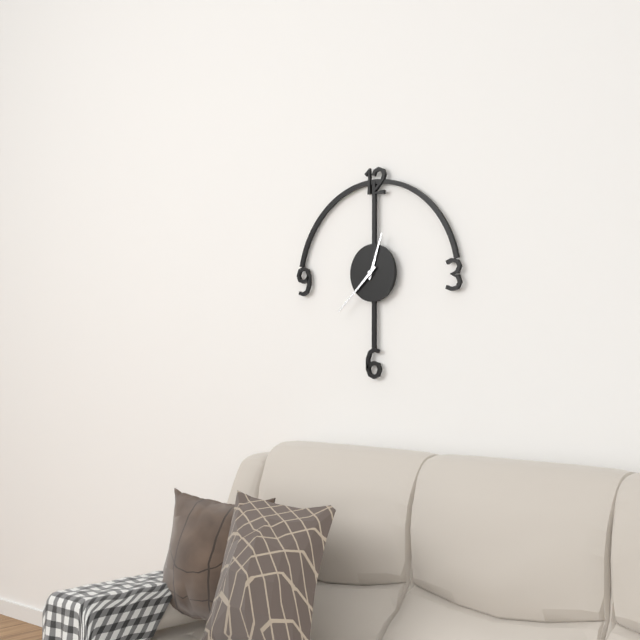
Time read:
**12:38**
